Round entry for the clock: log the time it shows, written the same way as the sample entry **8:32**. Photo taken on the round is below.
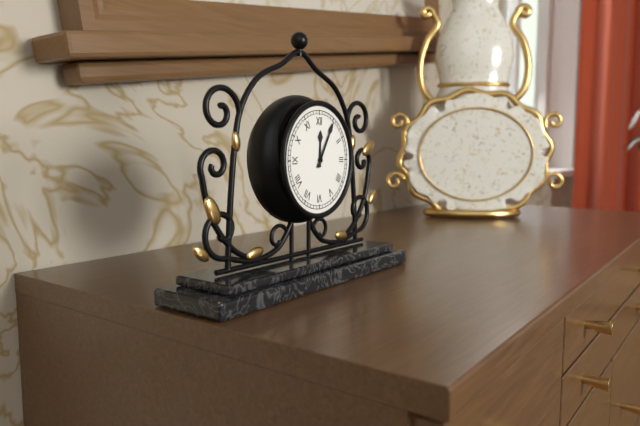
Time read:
**12:05**
